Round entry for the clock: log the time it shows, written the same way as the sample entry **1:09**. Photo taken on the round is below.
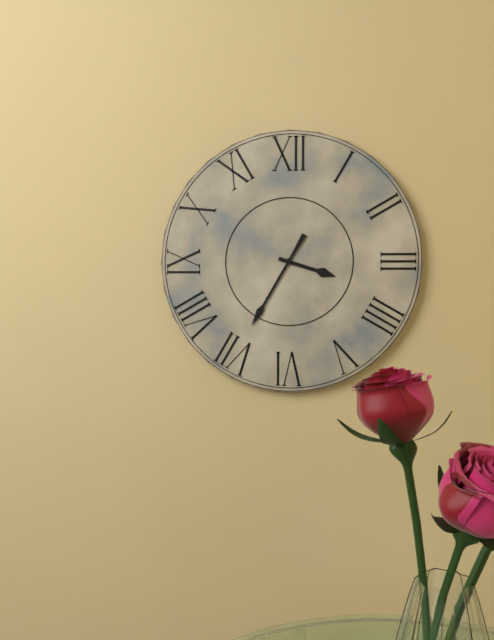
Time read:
**3:35**
